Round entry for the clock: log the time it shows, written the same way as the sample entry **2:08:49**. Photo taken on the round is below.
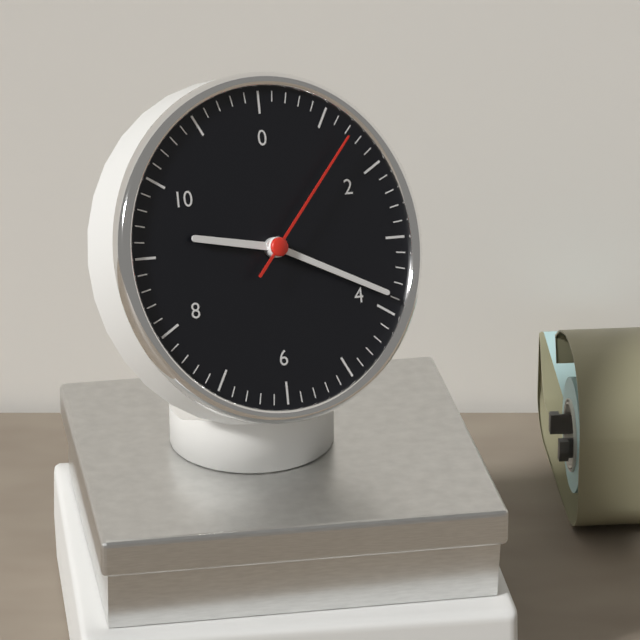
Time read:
**9:19:07**
